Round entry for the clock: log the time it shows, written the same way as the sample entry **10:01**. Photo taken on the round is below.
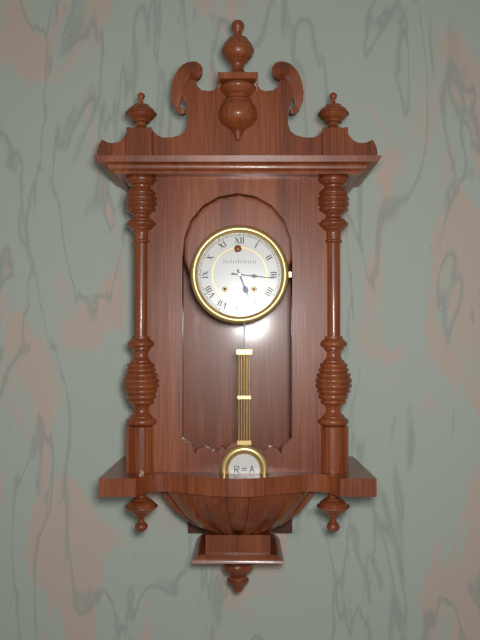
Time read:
**5:16**
